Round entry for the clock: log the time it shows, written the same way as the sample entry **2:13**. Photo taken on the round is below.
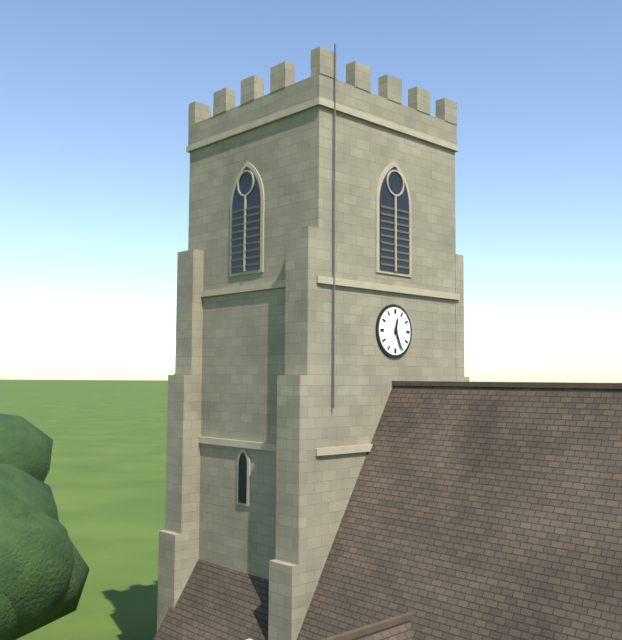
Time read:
**12:26**
